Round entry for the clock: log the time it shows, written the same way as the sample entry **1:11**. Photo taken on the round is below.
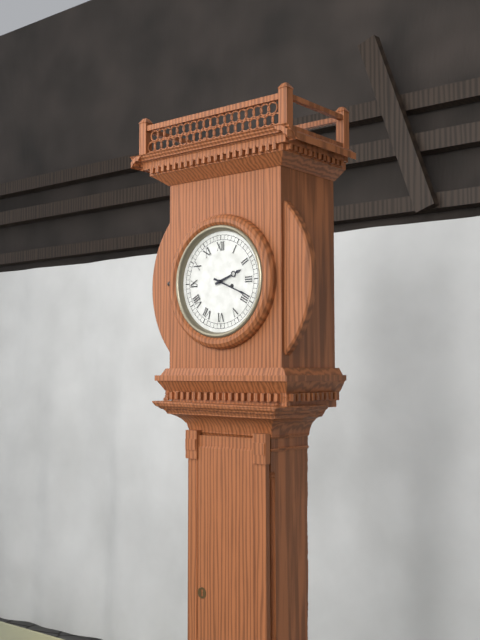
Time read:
**2:19**
